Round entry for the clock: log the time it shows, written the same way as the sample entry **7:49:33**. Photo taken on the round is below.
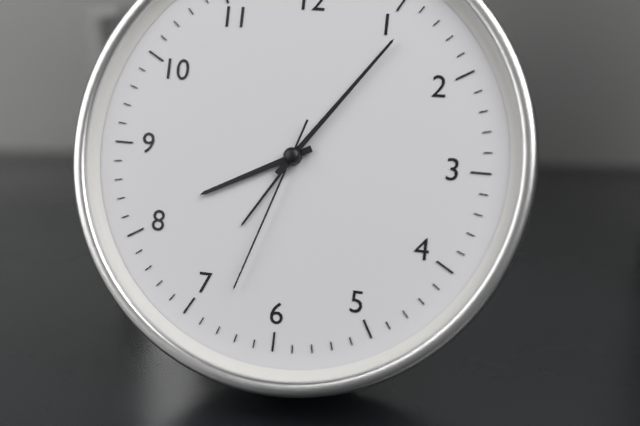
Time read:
**8:06:33**
